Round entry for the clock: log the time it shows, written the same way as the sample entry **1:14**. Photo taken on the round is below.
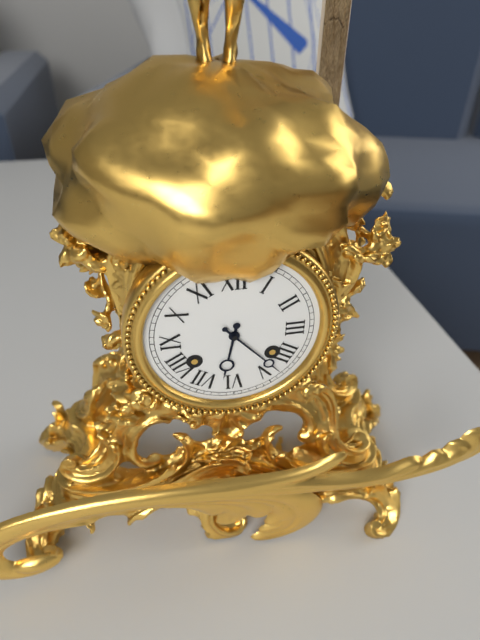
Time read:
**6:23**
